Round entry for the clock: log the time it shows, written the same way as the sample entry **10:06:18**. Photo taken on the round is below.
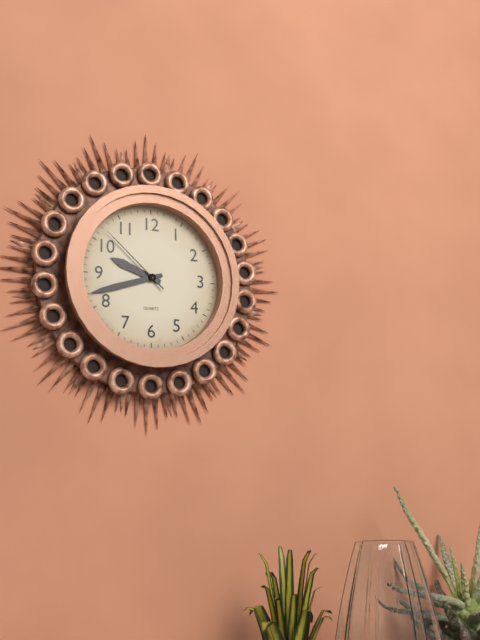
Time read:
**9:42:52**
